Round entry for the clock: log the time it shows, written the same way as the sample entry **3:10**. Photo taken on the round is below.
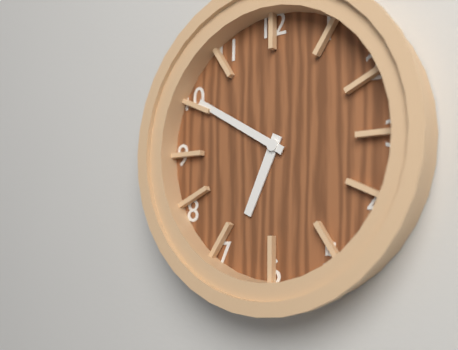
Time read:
**6:50**
